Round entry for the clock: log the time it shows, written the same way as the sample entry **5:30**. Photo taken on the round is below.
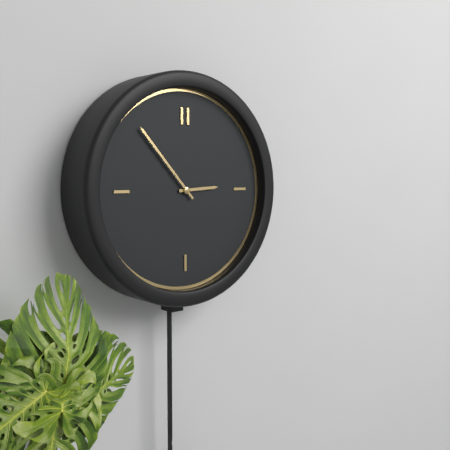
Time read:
**2:53**
